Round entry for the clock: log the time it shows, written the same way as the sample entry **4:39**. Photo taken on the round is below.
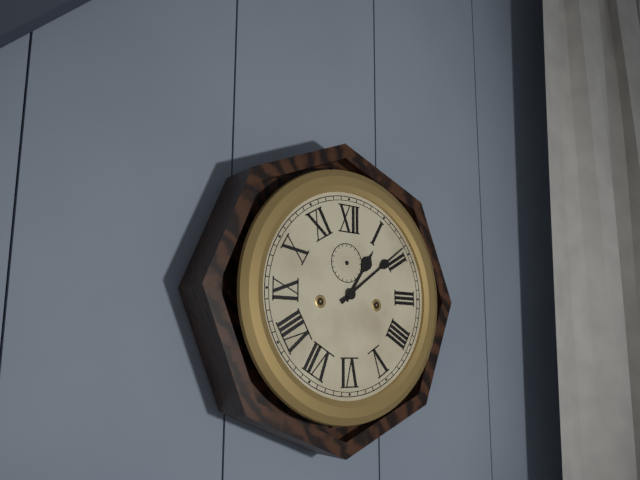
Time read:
**1:09**
